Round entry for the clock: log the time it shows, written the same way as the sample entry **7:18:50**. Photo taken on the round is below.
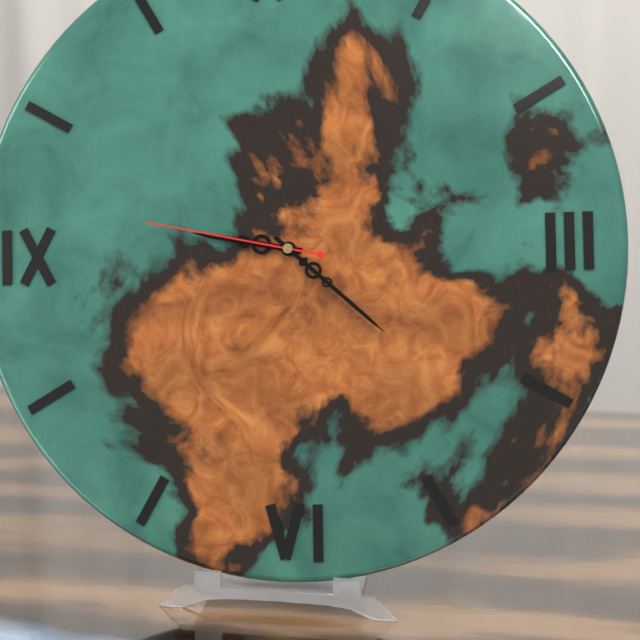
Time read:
**9:22:47**
